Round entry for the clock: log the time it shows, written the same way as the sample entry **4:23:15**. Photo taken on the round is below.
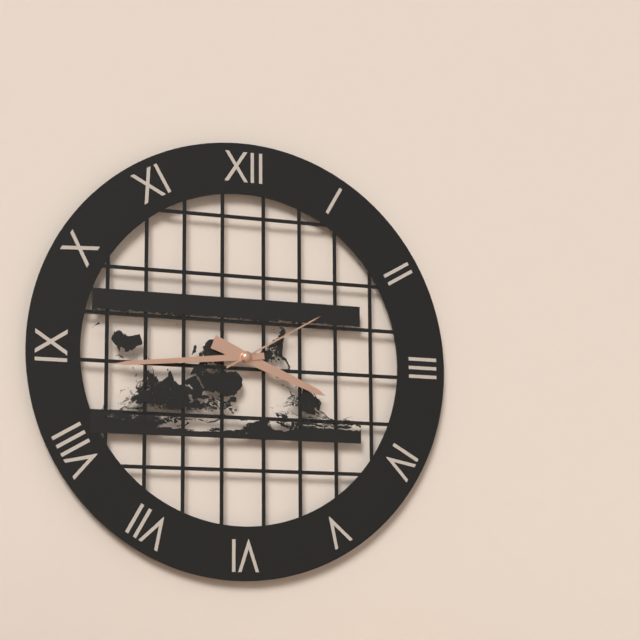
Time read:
**3:44:10**
